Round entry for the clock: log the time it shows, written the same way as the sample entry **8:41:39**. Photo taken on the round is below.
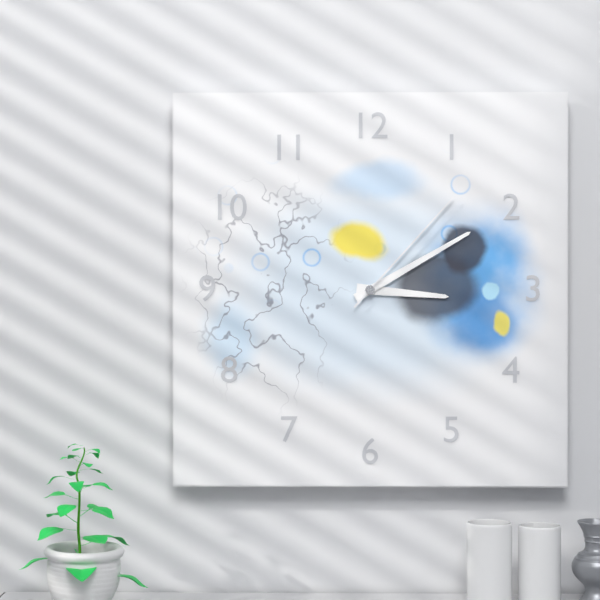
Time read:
**3:10:07**
